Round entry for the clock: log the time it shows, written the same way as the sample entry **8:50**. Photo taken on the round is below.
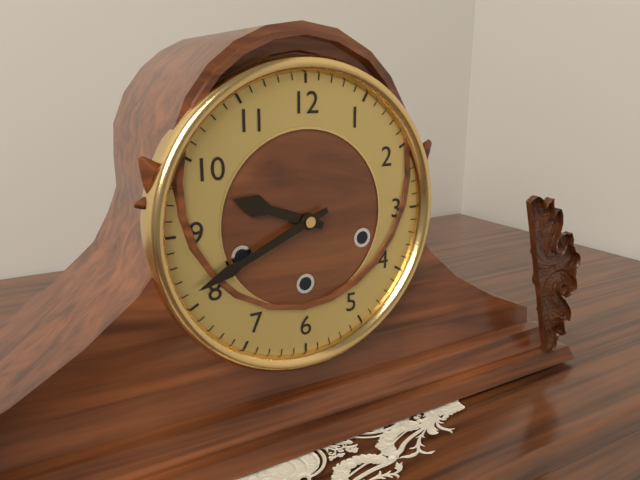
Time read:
**9:41**
